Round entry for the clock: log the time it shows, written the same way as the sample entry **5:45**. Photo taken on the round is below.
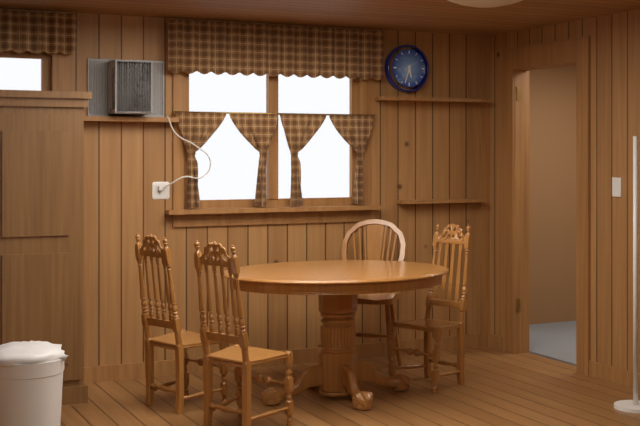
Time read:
**5:33**
